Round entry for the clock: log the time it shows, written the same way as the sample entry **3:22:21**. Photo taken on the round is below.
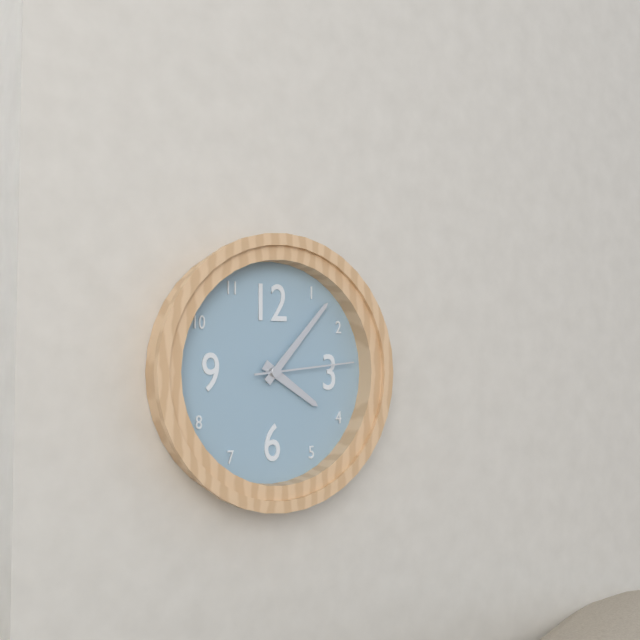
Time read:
**4:07:14**
